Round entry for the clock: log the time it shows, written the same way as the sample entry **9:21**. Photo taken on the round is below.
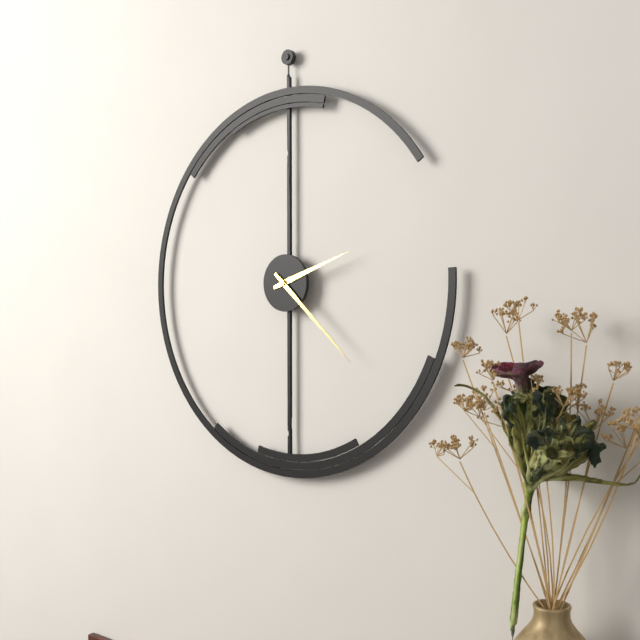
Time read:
**2:22**
